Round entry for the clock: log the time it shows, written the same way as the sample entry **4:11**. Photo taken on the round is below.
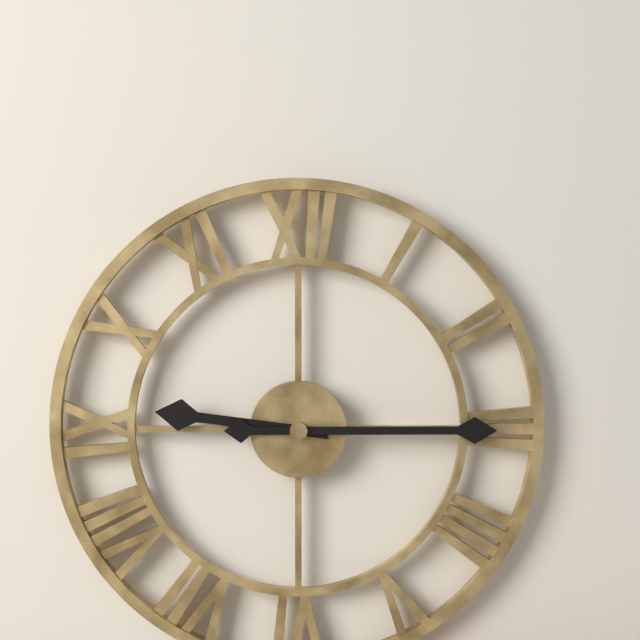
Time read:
**9:15**
